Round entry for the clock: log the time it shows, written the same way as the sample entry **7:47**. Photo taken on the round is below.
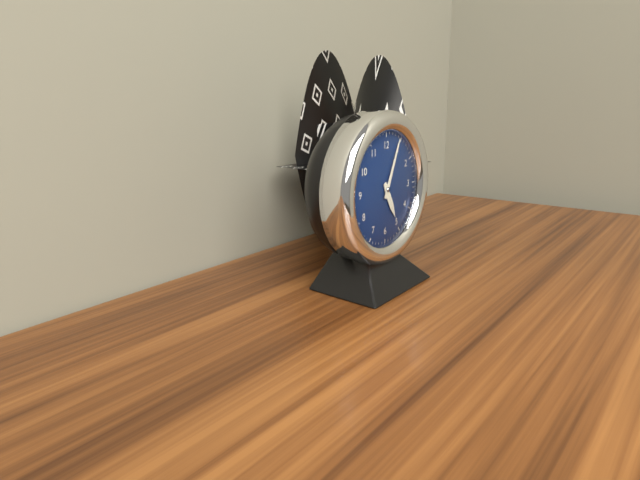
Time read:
**5:04**
